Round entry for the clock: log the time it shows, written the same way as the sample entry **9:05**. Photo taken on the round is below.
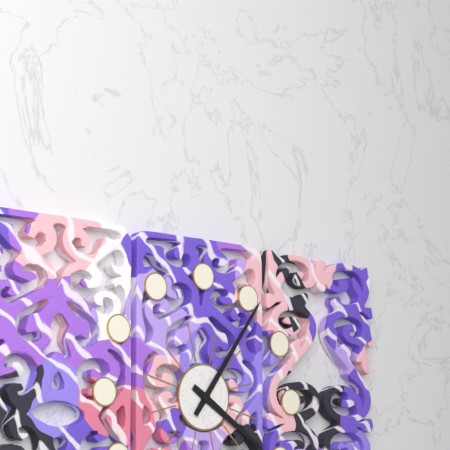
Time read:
**4:06**
